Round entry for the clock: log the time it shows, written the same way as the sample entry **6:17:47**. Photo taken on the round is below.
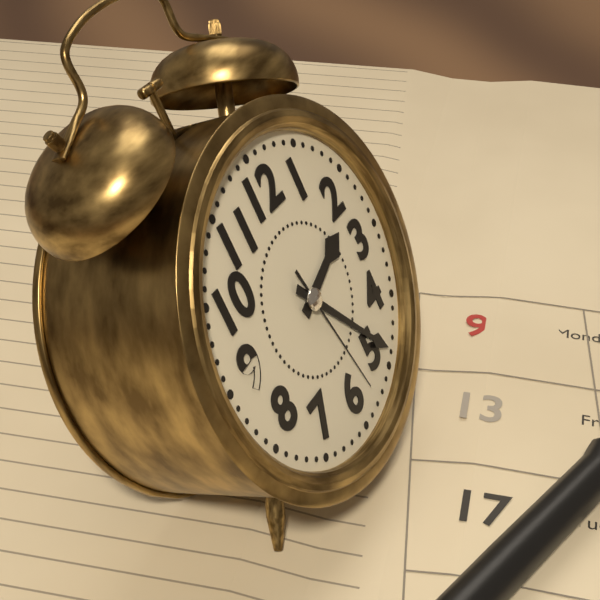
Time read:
**2:24:28**
